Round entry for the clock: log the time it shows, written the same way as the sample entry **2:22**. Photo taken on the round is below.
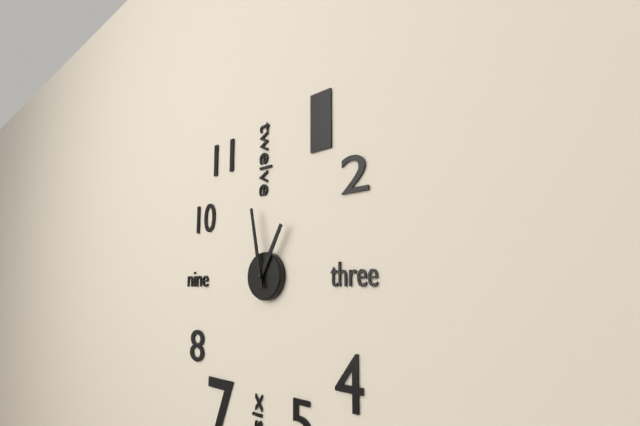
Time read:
**12:58**
